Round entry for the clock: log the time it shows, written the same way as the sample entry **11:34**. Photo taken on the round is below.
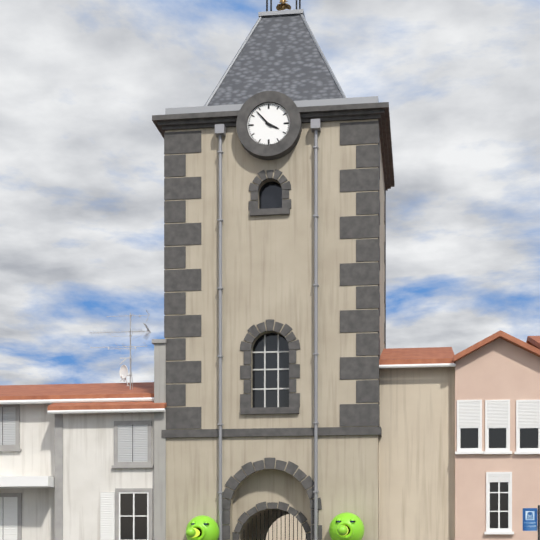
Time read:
**3:53**
